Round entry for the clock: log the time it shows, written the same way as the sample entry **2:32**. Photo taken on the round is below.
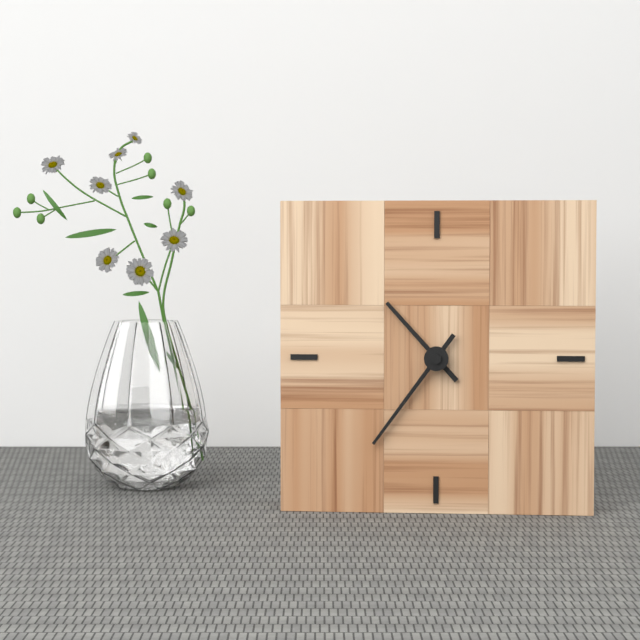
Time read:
**10:36**
